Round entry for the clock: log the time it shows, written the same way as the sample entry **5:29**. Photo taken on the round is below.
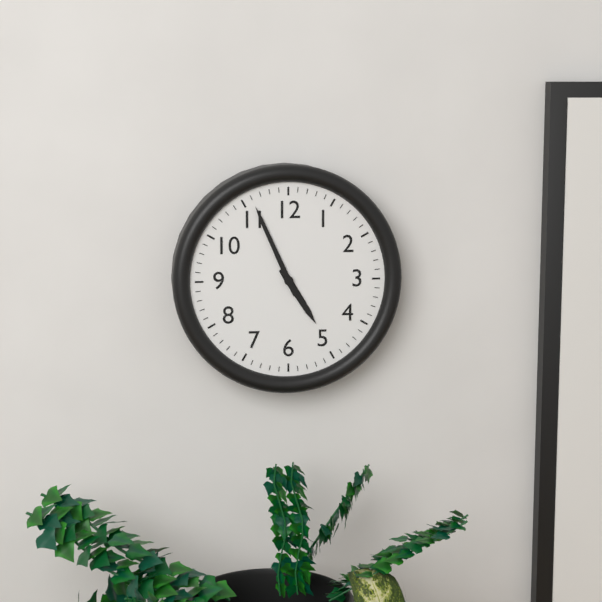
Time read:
**4:56**
